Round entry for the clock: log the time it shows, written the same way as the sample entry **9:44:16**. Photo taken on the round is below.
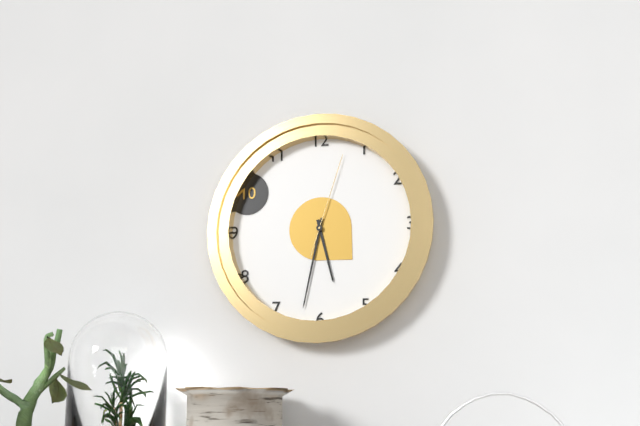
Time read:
**5:32:03**
